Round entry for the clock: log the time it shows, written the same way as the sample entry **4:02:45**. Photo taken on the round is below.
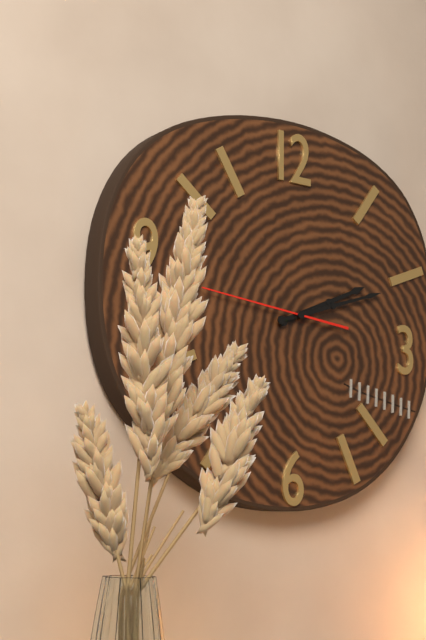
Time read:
**2:12:46**
